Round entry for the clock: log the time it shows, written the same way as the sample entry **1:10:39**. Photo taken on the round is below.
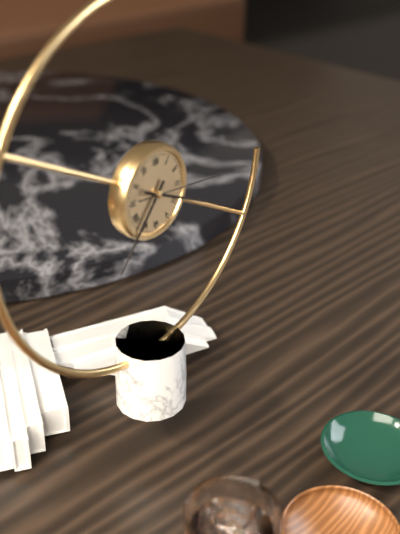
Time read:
**7:19:16**
